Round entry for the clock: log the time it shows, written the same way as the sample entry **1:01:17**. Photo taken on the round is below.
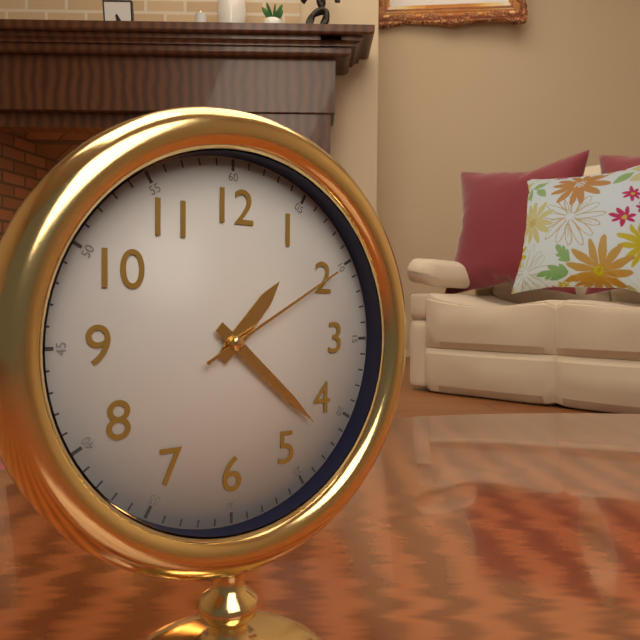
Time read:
**1:22:10**
